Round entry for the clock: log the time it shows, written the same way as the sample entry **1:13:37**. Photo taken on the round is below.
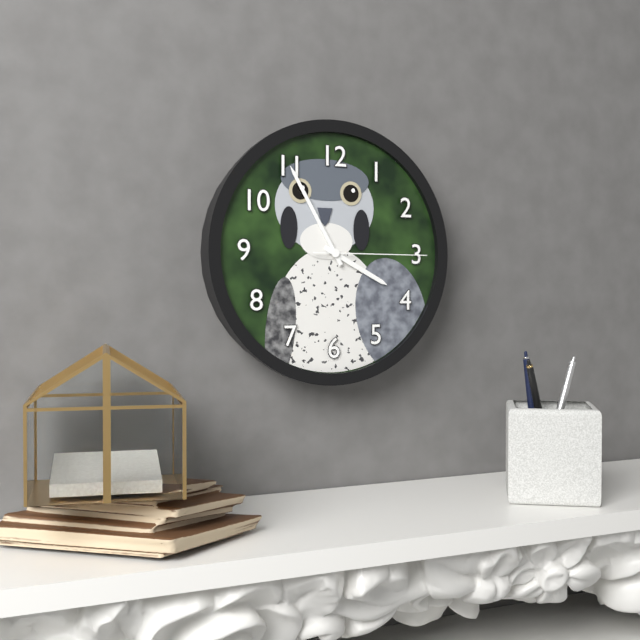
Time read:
**3:55:15**
